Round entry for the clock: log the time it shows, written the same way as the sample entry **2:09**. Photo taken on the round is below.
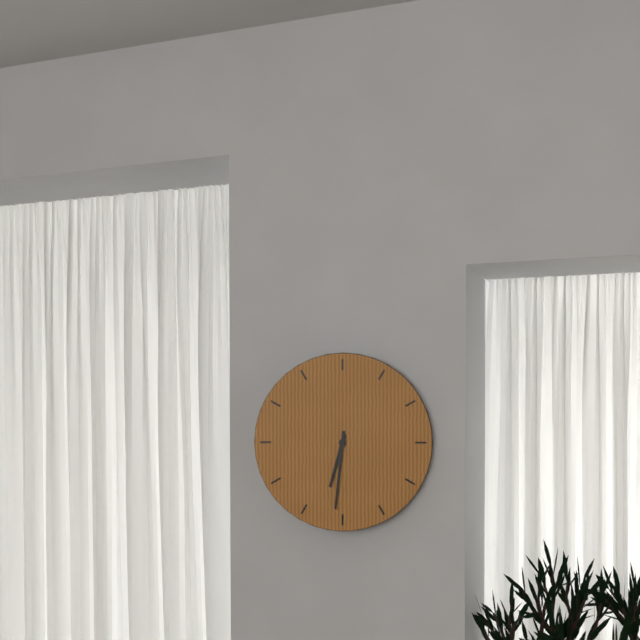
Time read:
**6:31**
